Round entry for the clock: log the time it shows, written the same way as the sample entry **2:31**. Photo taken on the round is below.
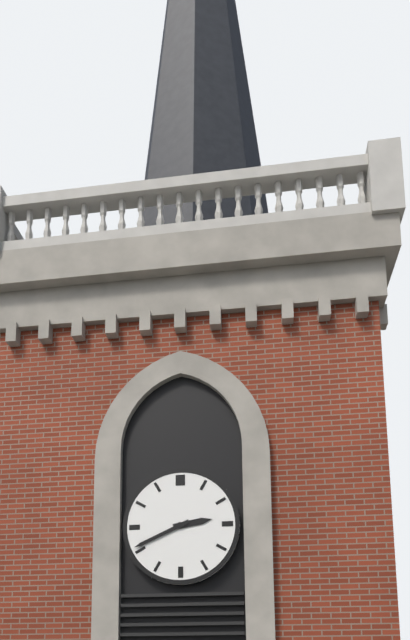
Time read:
**2:41**
